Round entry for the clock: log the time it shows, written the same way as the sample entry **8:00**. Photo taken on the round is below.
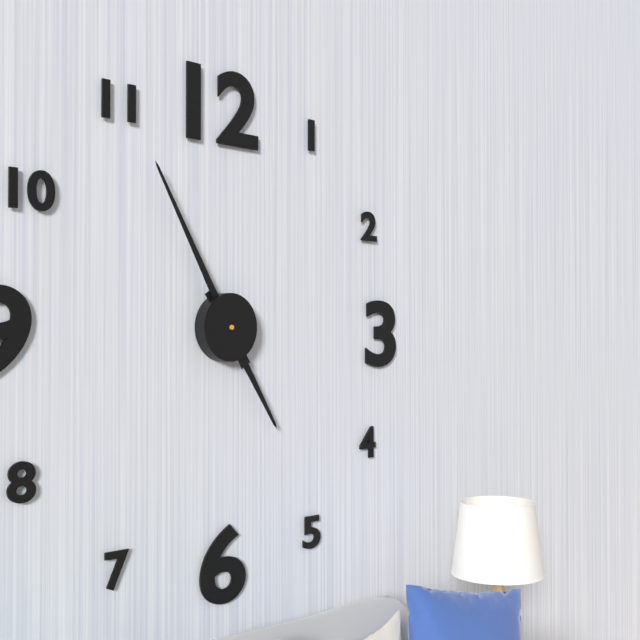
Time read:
**4:55**
